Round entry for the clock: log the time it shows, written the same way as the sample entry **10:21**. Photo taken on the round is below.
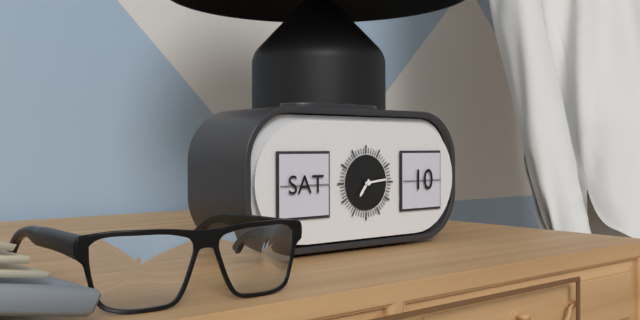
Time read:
**7:14**
